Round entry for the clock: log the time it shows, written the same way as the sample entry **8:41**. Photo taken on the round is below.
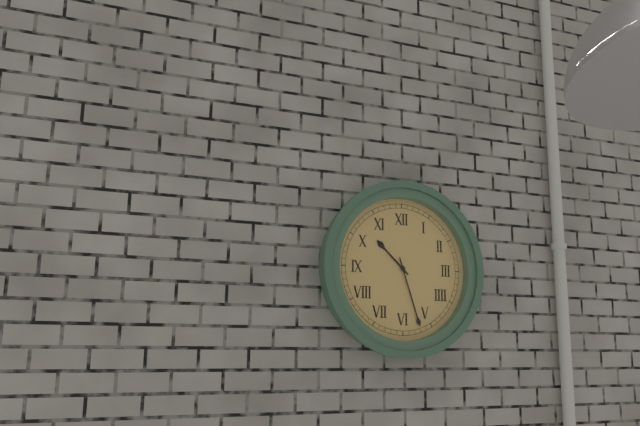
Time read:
**10:27**
